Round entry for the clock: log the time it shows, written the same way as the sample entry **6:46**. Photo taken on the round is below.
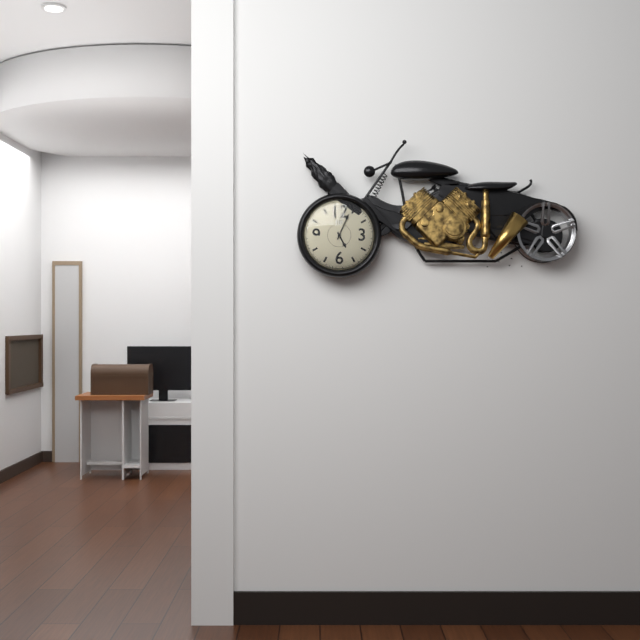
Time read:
**5:04**
